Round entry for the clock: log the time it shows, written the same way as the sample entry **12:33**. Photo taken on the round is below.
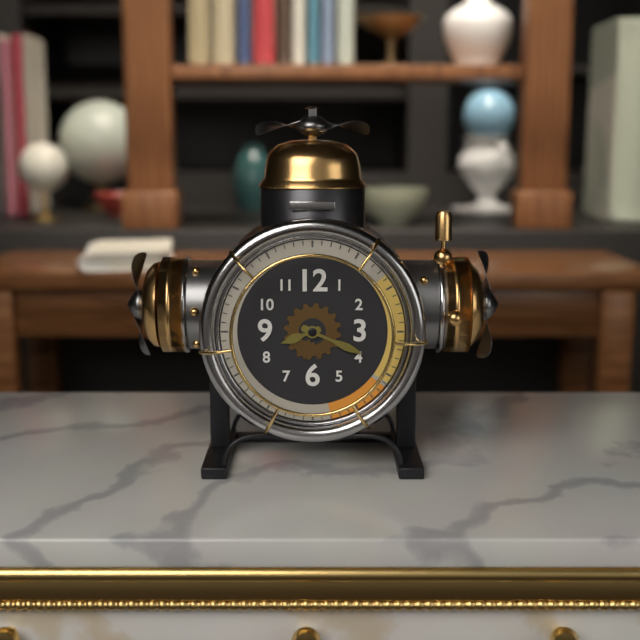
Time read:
**8:19**
